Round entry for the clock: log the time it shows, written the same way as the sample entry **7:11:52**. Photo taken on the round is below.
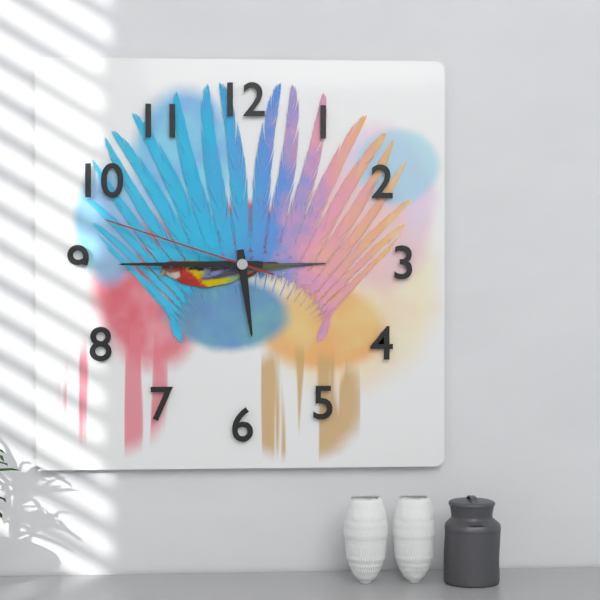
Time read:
**5:45:48**
